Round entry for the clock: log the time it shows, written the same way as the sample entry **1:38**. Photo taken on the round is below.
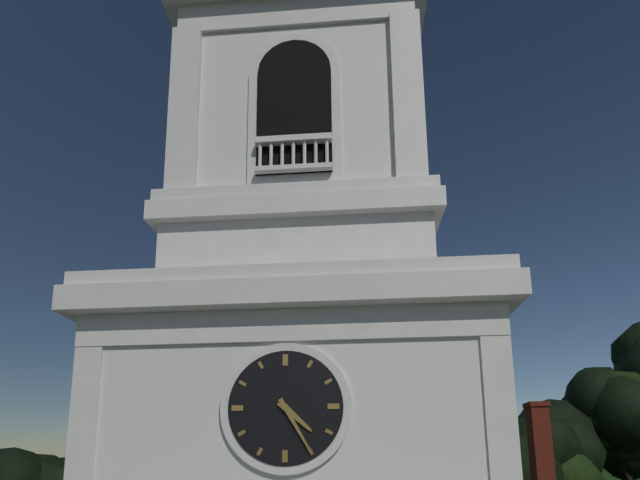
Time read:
**4:25**
